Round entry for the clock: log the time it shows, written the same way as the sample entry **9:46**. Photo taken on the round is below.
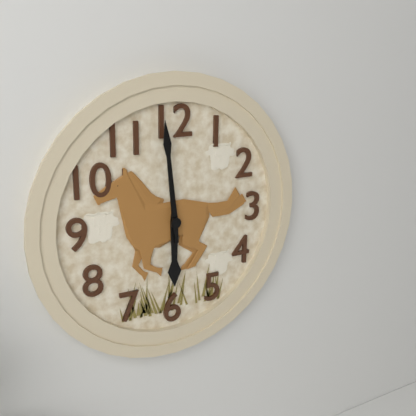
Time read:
**5:59**
